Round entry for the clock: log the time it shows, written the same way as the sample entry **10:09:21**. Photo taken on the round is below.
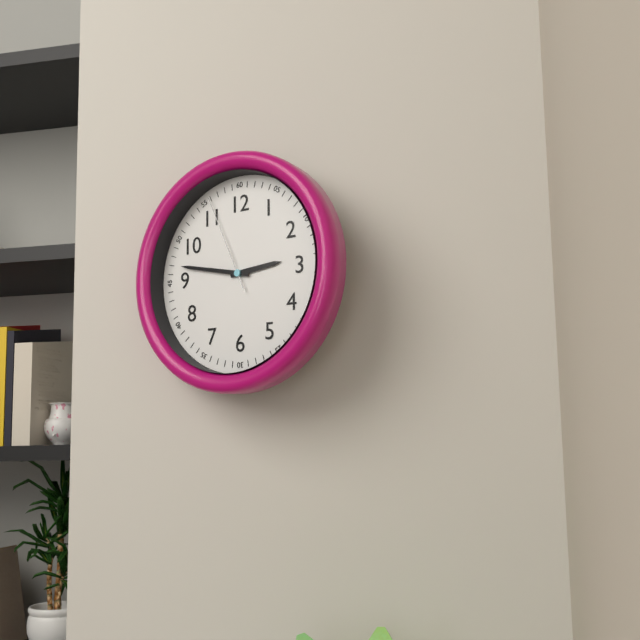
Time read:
**2:47:56**
